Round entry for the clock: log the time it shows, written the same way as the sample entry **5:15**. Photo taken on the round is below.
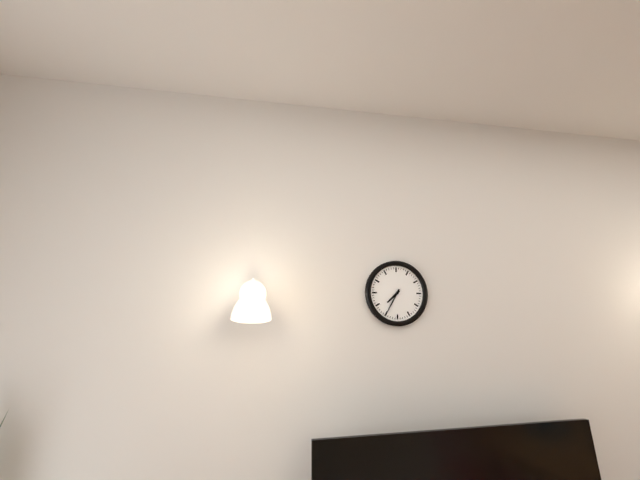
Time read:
**7:35**
